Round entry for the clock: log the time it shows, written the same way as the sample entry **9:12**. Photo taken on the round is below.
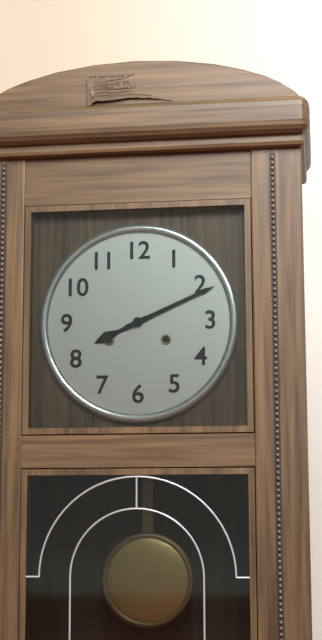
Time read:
**8:11**
